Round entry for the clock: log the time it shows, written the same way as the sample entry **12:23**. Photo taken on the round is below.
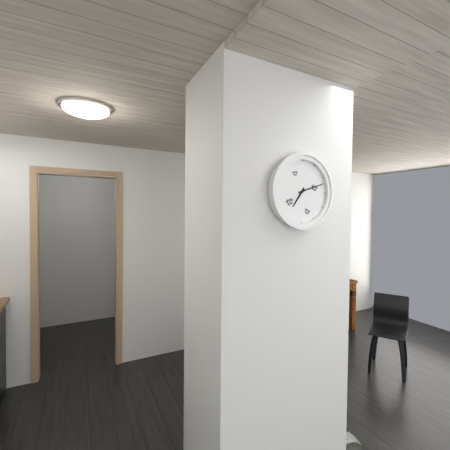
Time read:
**7:12**
